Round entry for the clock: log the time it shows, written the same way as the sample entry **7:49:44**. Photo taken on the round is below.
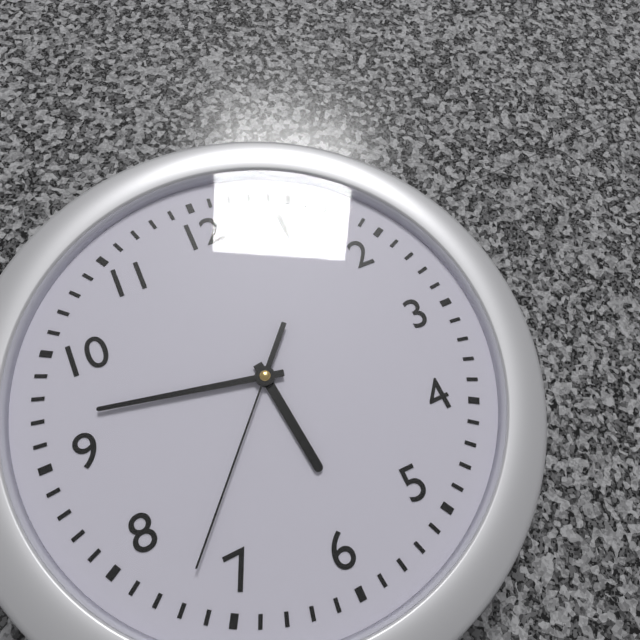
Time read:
**5:47:37**
